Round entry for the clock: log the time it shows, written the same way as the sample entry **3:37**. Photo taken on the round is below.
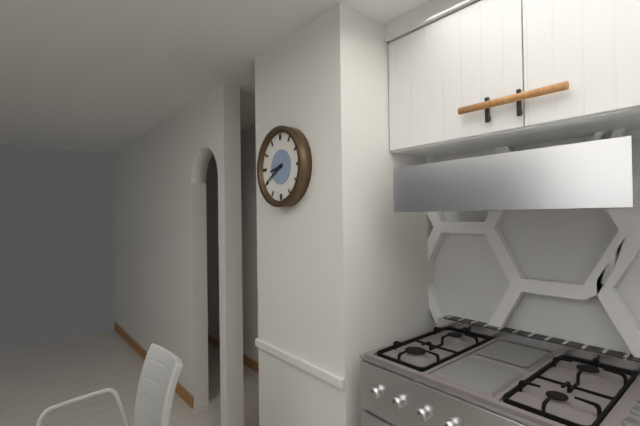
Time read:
**8:40**
